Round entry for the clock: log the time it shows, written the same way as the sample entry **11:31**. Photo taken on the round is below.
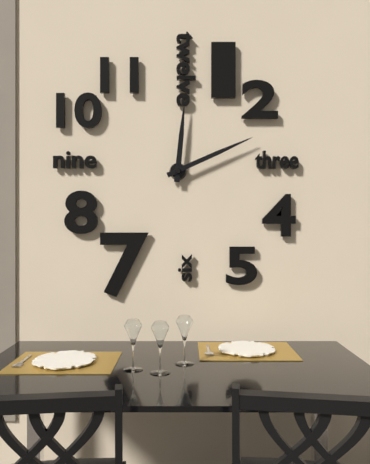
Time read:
**12:11**
